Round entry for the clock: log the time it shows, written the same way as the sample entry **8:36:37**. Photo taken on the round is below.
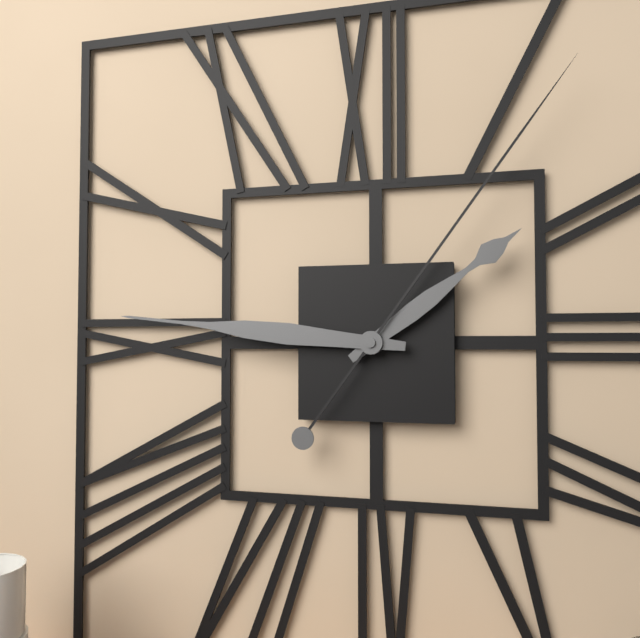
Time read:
**1:46:06**
